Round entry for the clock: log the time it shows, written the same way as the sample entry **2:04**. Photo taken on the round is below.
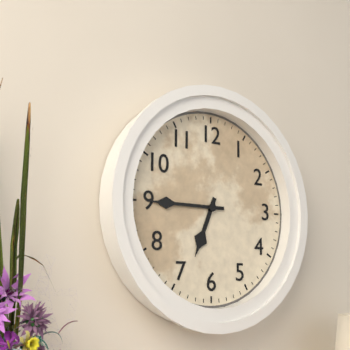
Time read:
**6:45**
